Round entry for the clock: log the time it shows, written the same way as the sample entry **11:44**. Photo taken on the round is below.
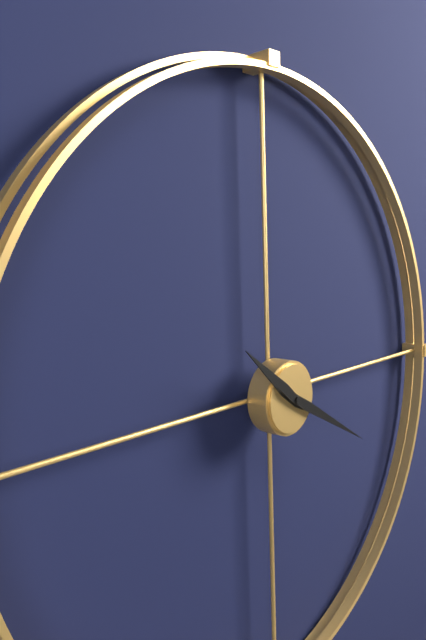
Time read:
**10:20**
